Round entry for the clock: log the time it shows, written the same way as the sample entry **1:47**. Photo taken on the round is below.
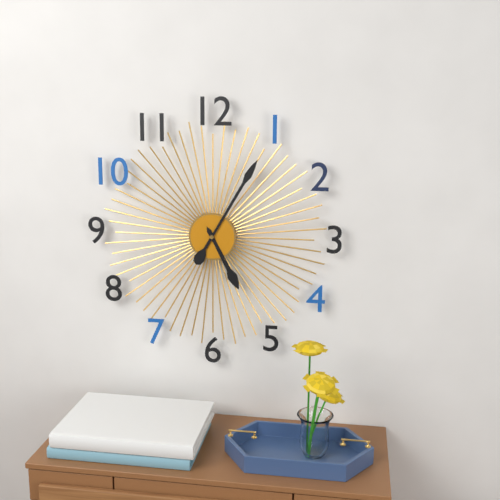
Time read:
**5:05**
